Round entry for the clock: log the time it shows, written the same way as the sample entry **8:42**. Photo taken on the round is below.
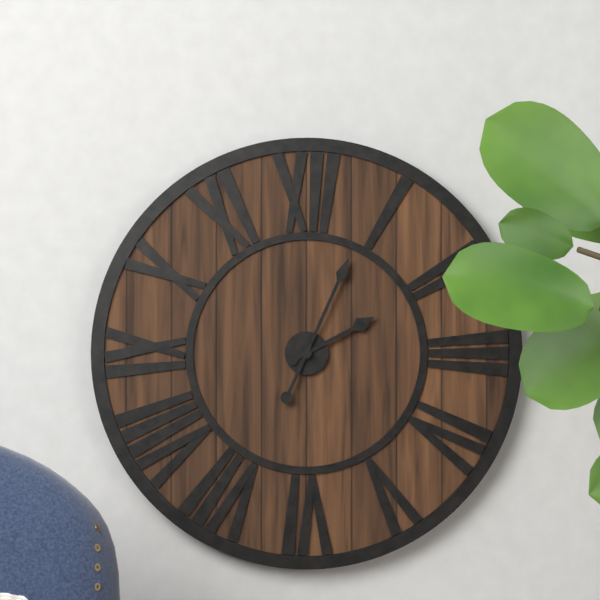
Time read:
**2:04**
